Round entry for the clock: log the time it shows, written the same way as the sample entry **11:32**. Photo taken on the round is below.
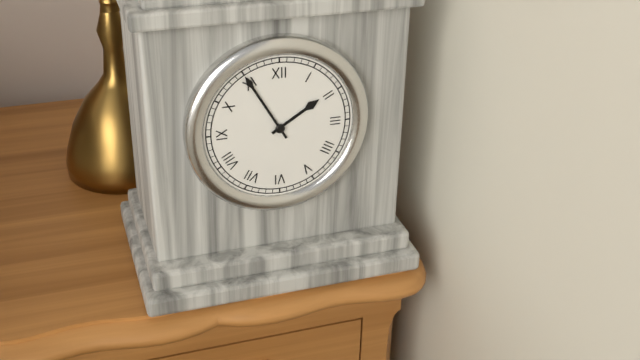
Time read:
**1:55**
